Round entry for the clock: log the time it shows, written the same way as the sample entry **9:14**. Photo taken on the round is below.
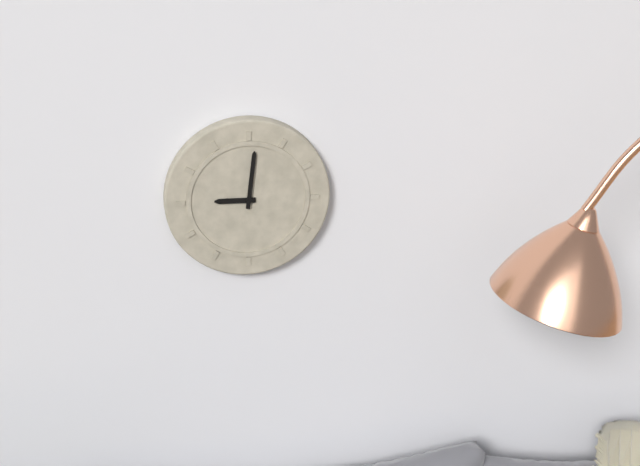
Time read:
**9:01**
